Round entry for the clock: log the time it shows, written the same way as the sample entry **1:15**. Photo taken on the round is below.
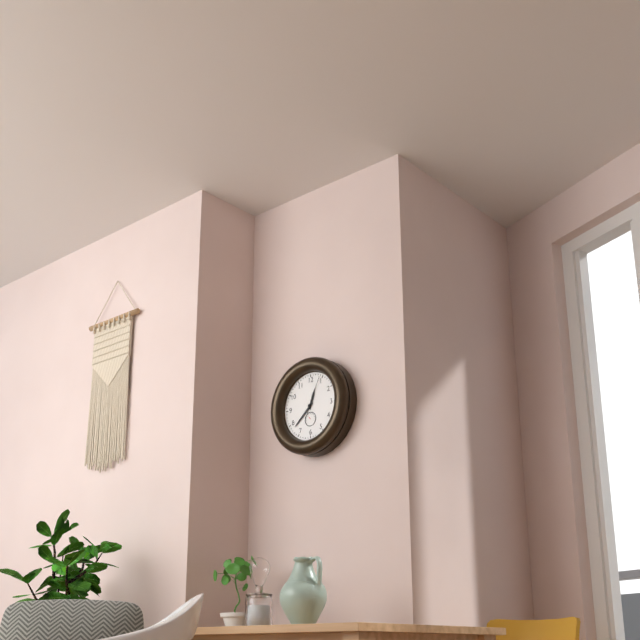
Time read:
**12:38**
